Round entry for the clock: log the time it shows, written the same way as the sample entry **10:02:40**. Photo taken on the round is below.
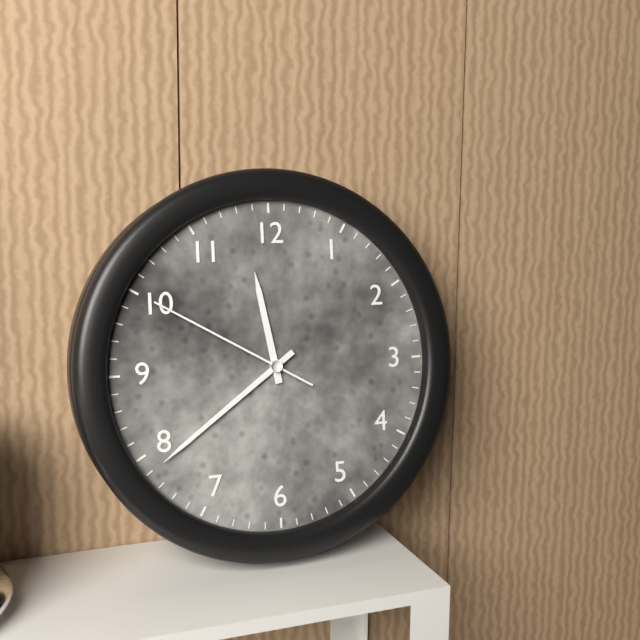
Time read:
**11:39:50**
